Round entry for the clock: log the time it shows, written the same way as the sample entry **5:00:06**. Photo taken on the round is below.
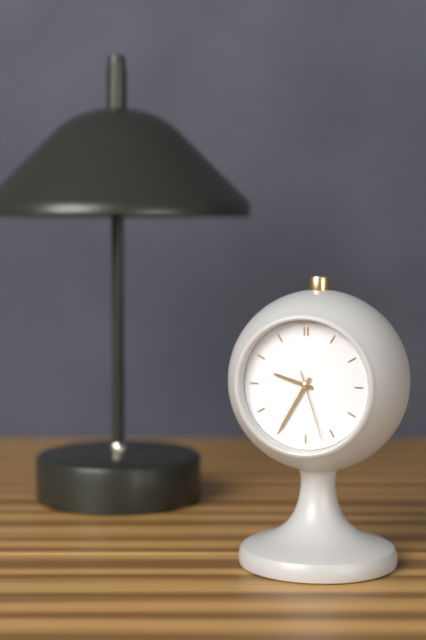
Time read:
**9:35:27**
